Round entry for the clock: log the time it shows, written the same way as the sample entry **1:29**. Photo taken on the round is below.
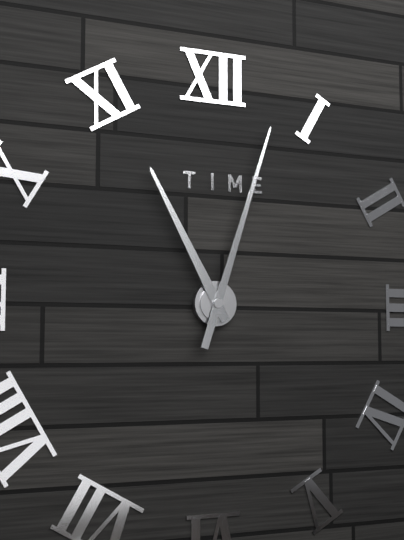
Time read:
**11:03**
